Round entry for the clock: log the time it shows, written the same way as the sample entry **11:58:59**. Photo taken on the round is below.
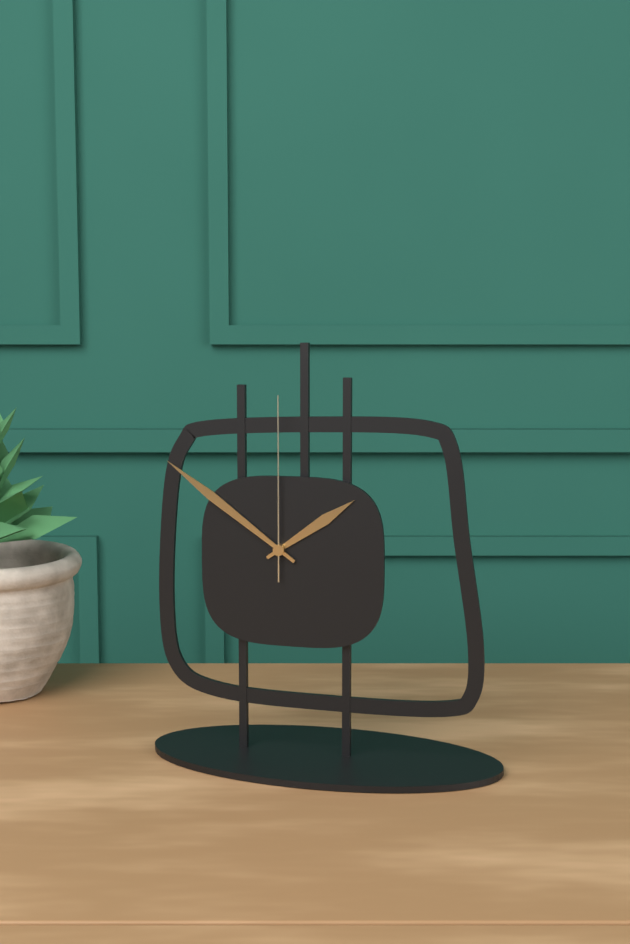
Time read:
**1:51:00**
